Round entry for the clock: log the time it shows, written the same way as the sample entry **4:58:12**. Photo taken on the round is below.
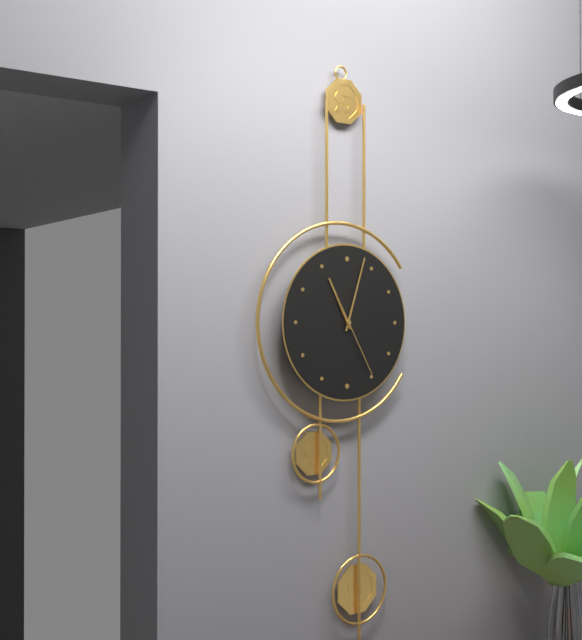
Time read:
**11:03:25**
